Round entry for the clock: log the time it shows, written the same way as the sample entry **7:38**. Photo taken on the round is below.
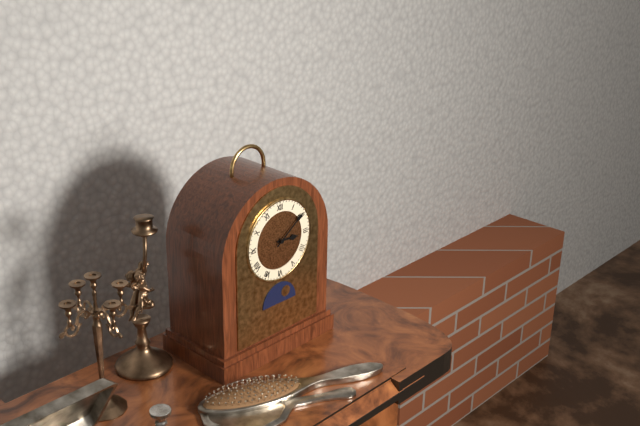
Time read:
**3:09**
